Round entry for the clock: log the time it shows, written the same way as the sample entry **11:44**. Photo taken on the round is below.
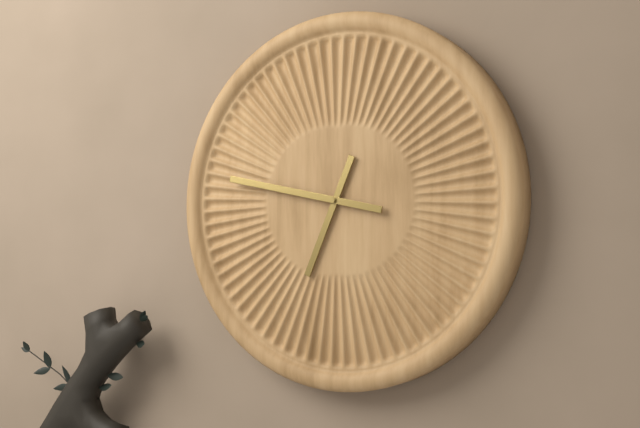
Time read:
**6:47**
